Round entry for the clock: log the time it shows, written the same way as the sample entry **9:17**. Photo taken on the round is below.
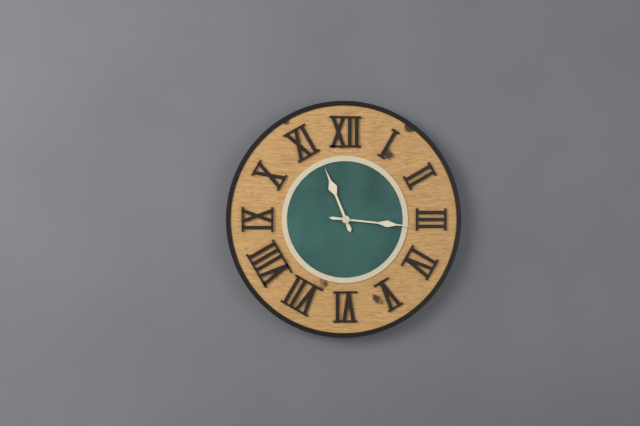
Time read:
**11:16**
